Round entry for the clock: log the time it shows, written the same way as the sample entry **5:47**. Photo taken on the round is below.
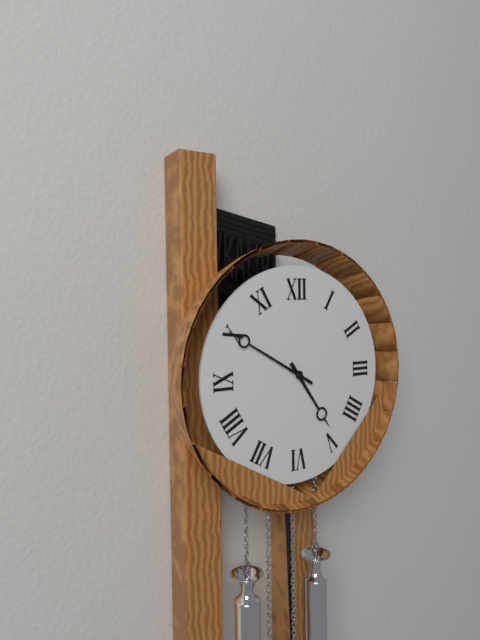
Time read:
**4:50**
